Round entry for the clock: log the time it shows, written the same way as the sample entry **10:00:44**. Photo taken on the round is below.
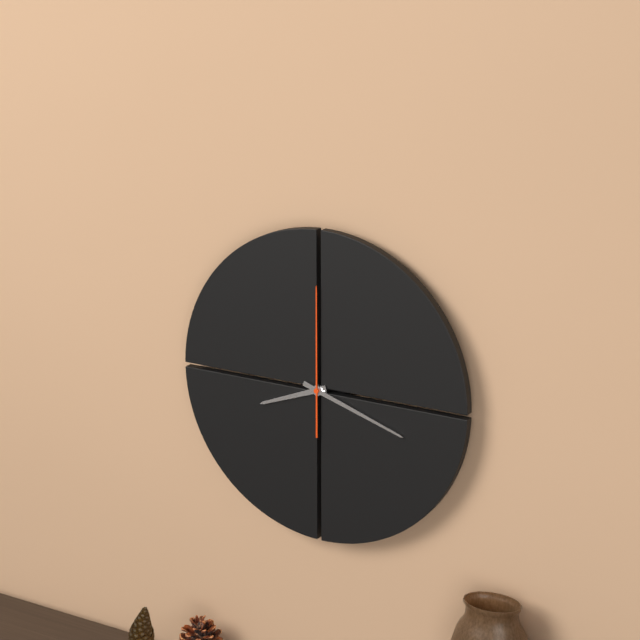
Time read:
**8:18:00**
